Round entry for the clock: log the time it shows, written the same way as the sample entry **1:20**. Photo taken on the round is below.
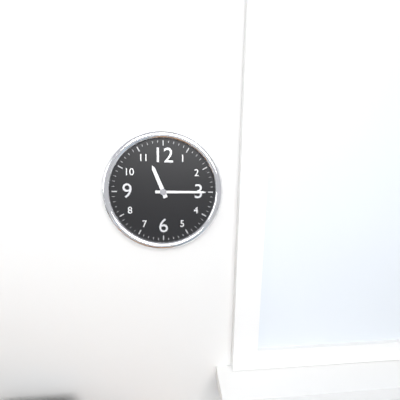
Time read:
**11:15**
